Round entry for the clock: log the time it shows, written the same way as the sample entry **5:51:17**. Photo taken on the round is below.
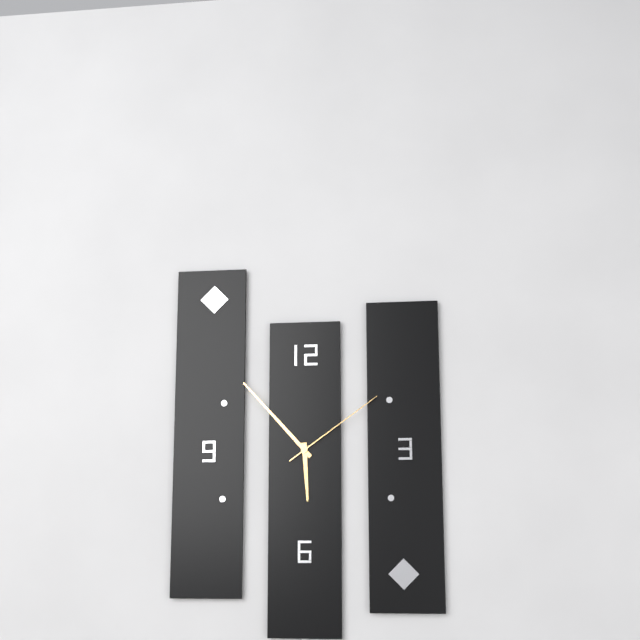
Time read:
**5:53:09**
